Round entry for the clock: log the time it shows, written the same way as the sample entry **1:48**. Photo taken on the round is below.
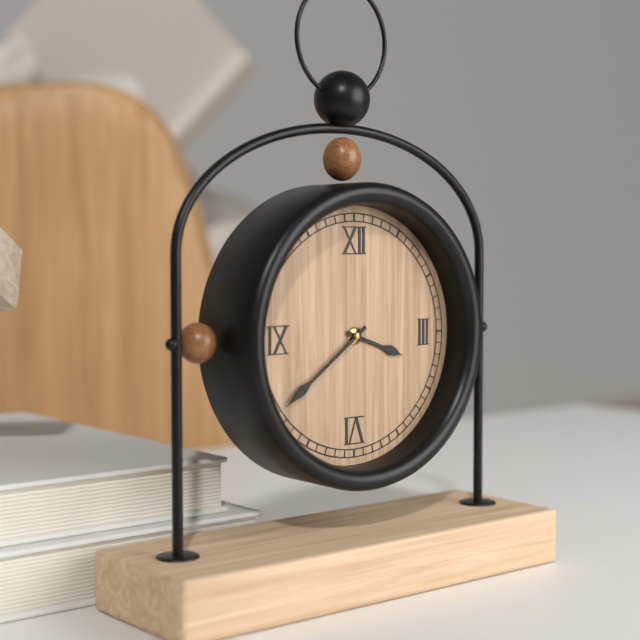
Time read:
**3:39**
